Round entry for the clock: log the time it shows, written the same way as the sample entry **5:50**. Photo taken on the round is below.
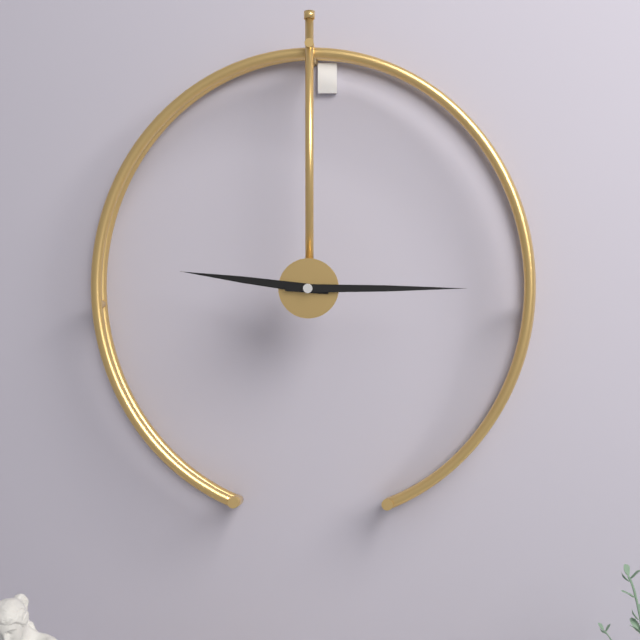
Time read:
**9:15**
